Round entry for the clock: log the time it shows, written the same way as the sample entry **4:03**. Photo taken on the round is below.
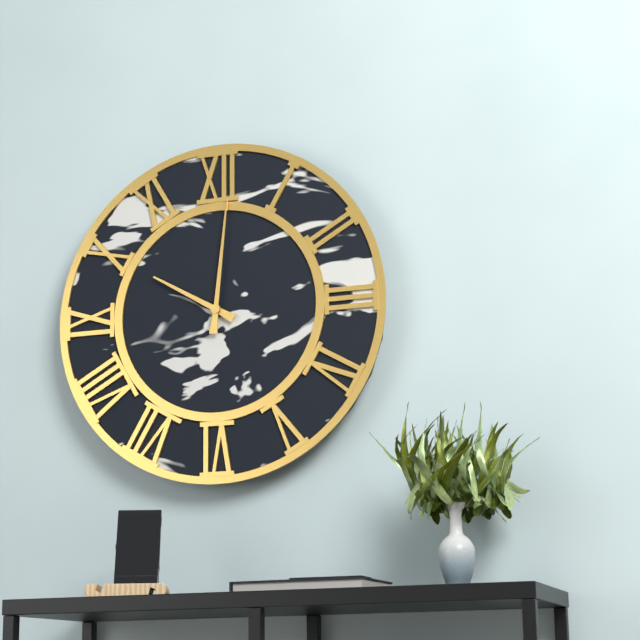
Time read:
**10:01**
